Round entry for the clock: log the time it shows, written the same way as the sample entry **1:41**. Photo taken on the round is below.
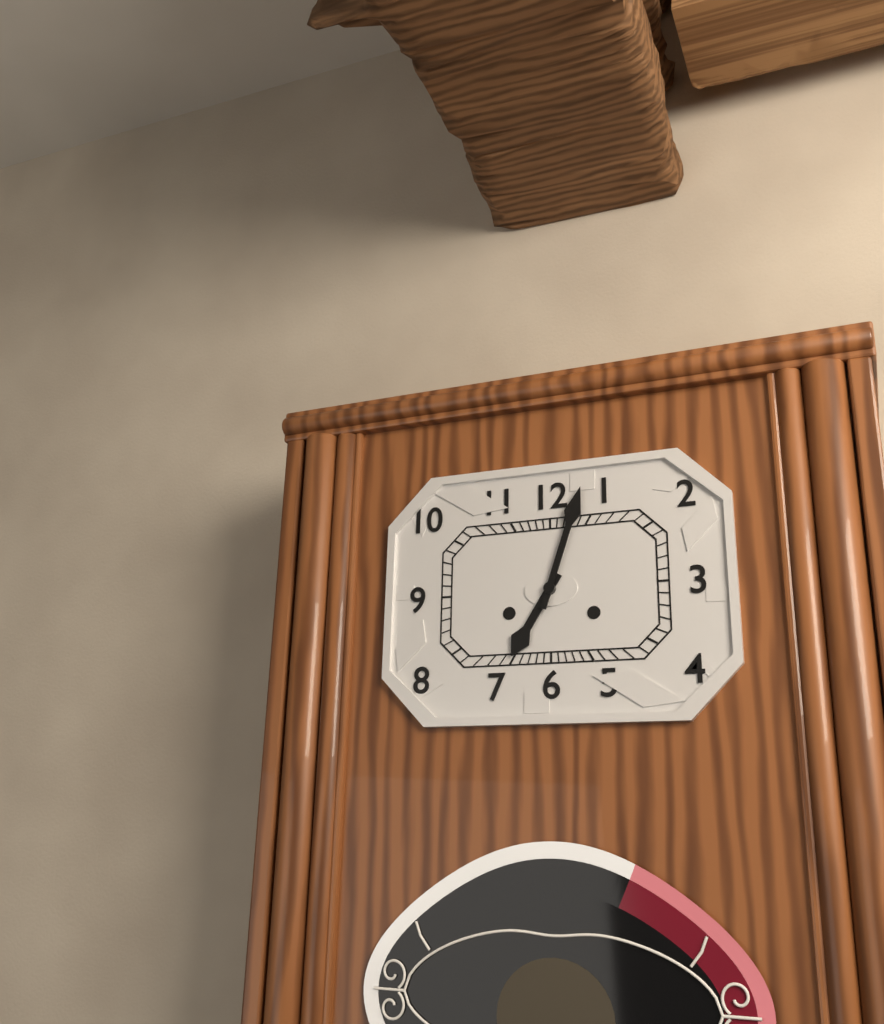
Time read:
**7:03**
